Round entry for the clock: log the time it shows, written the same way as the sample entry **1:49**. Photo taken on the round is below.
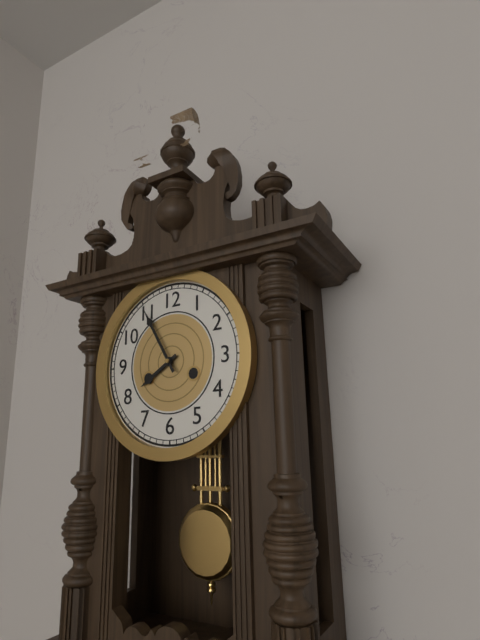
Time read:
**7:55**
